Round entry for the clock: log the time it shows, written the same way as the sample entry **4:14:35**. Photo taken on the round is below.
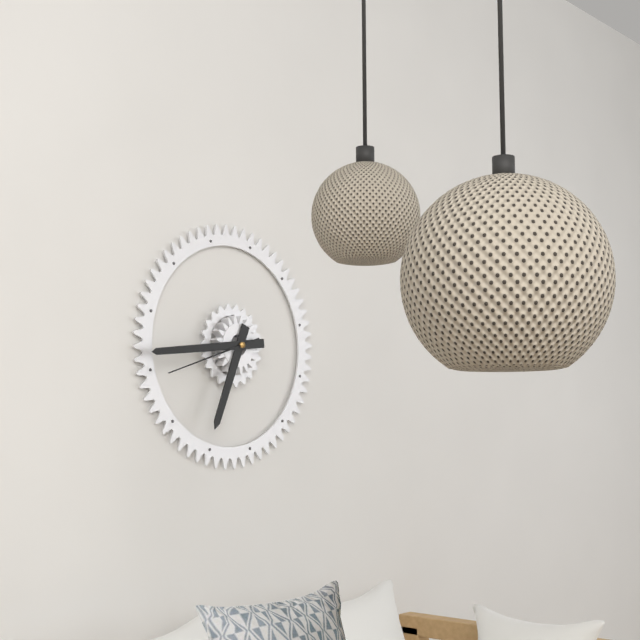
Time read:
**6:44:42**
